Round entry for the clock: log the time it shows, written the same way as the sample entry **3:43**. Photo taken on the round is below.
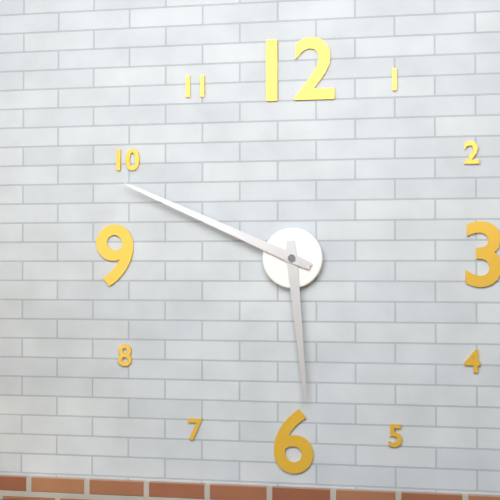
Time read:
**5:49**
